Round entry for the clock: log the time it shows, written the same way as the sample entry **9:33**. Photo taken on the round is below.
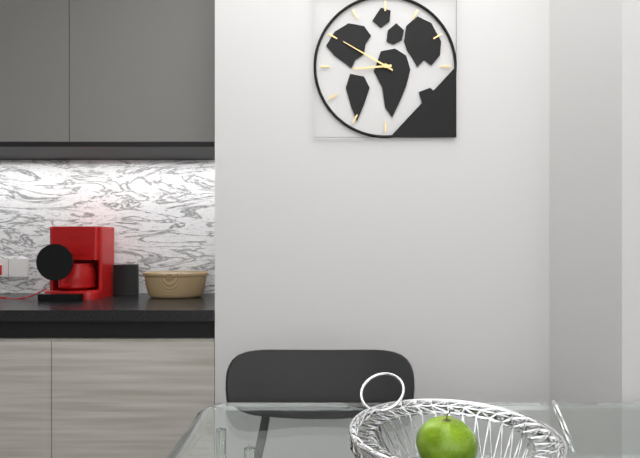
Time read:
**8:50**
